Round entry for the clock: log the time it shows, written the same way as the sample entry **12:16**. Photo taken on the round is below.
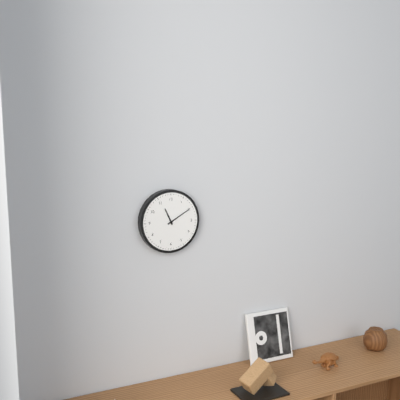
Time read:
**11:10**
